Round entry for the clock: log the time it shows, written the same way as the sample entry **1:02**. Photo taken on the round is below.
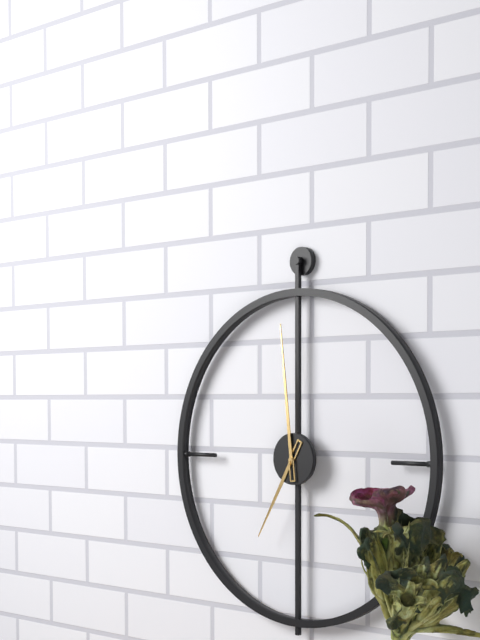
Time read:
**6:59**
